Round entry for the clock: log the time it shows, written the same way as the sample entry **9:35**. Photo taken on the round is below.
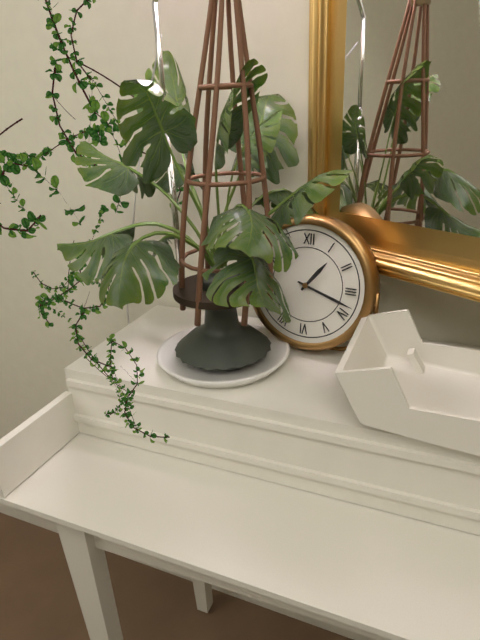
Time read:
**1:18**
